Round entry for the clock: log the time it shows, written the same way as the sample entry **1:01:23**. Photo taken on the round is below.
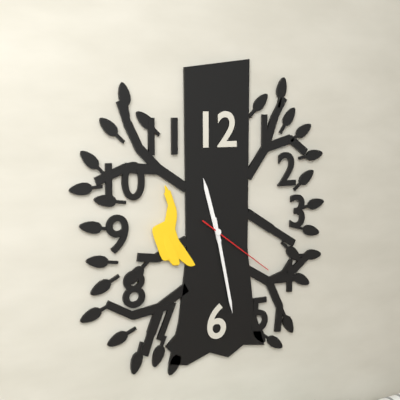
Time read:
**11:28:21**
